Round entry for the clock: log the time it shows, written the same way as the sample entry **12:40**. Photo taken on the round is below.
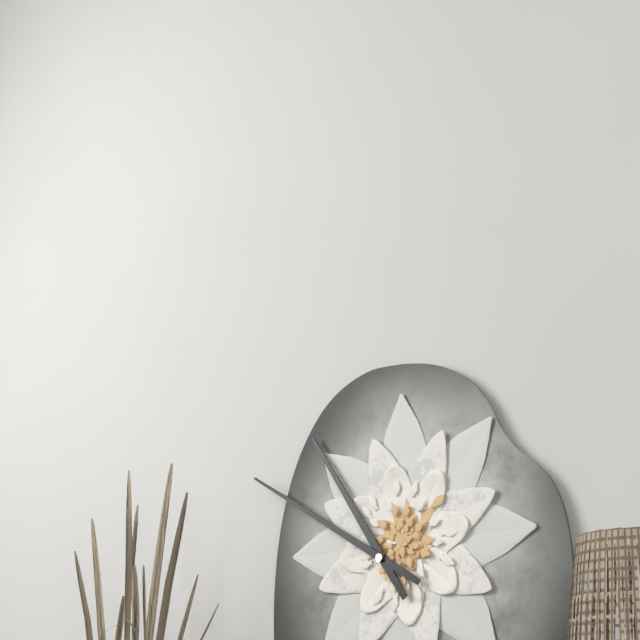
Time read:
**10:50**
